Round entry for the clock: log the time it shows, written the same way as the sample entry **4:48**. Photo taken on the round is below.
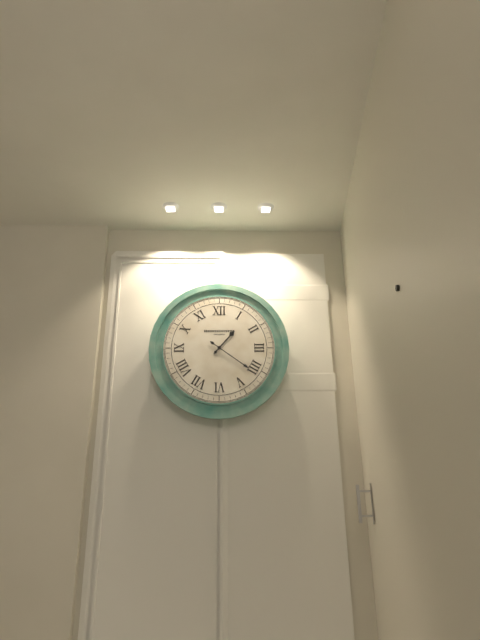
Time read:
**1:21**
